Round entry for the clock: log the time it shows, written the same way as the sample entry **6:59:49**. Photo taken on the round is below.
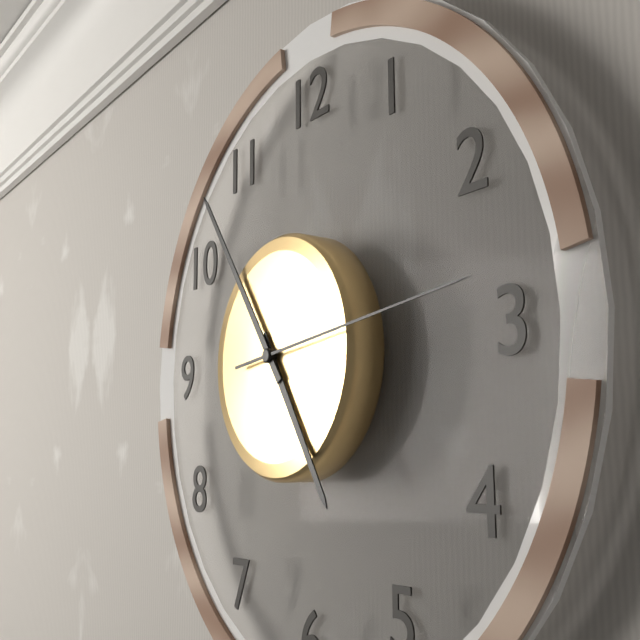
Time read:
**4:54:14**
